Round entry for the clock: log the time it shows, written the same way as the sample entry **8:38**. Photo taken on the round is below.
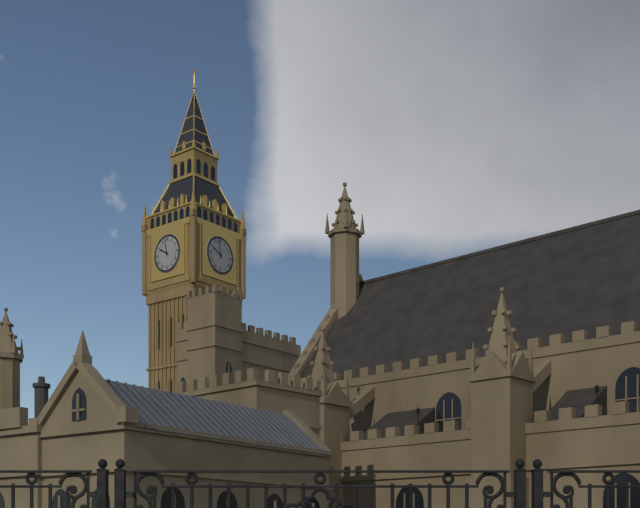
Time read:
**9:58**
